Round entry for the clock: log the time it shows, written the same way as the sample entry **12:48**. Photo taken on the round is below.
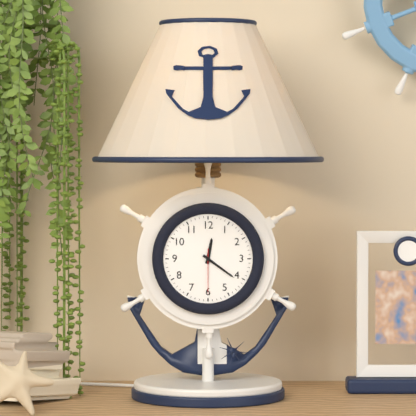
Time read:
**12:21**
